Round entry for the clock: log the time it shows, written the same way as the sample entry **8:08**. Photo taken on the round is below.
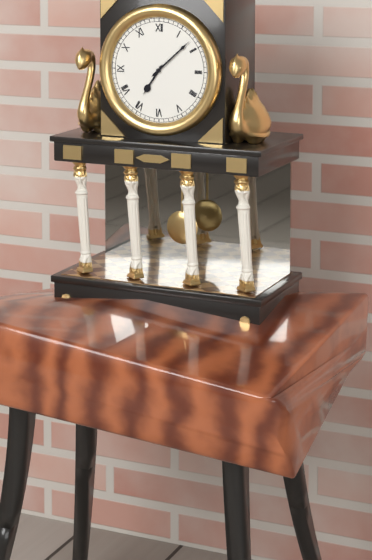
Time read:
**7:08**
